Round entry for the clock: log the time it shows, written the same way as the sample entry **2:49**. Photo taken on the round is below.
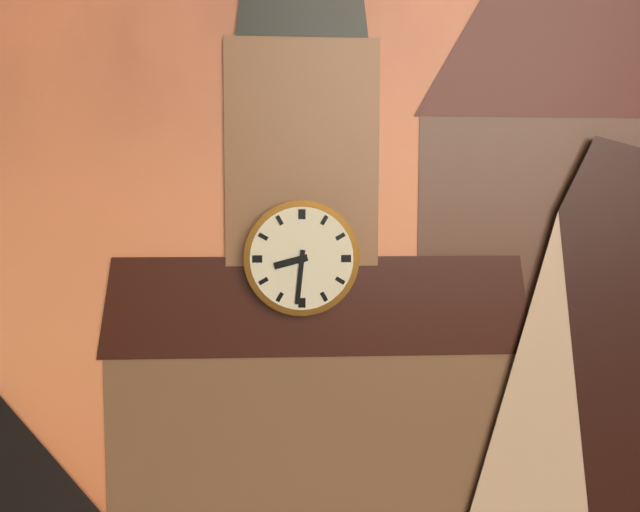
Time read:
**8:31**
